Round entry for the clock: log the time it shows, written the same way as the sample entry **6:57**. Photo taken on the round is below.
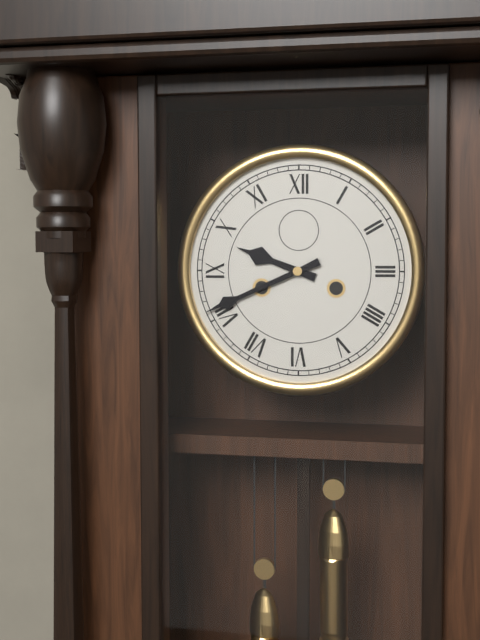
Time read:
**9:41**
